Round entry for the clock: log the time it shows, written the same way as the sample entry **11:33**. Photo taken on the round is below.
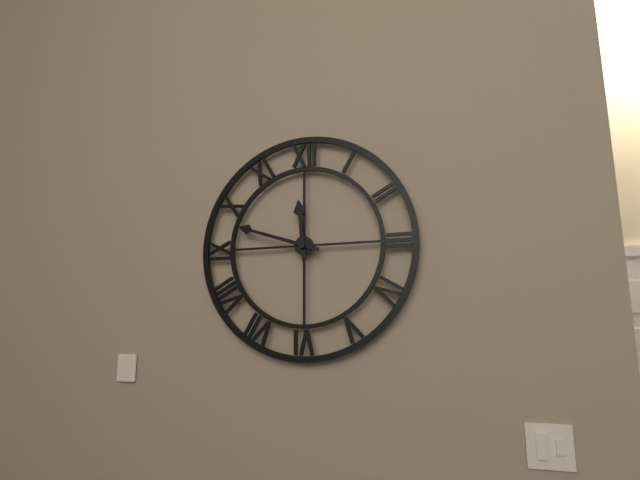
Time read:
**11:48**
